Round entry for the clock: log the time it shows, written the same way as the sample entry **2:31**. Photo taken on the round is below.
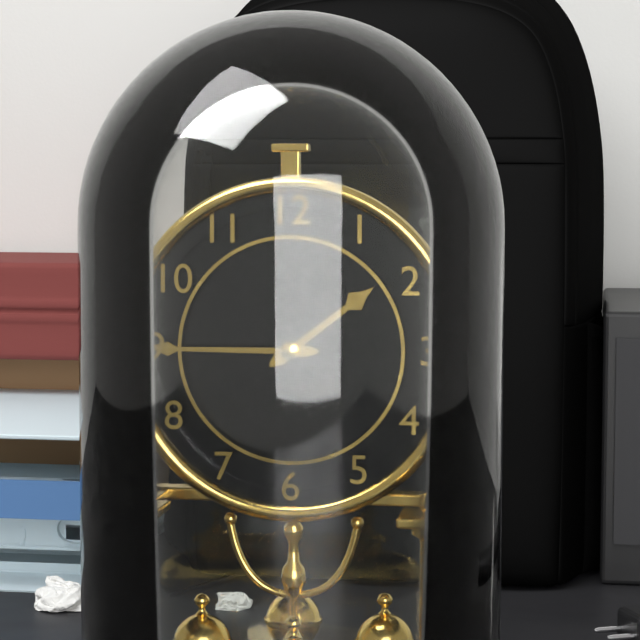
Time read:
**1:45**
